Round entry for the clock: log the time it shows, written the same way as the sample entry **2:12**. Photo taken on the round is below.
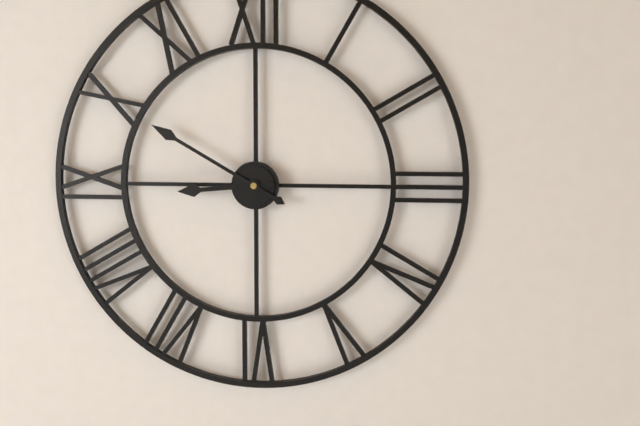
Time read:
**8:50**
